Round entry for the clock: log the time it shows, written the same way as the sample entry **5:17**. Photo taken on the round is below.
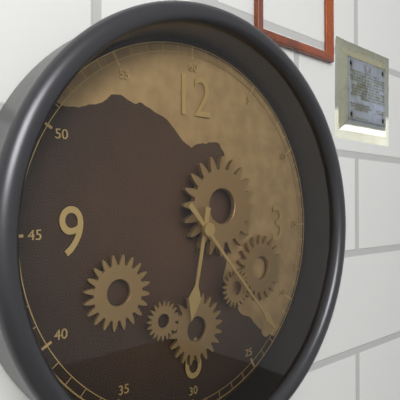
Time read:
**6:23**
